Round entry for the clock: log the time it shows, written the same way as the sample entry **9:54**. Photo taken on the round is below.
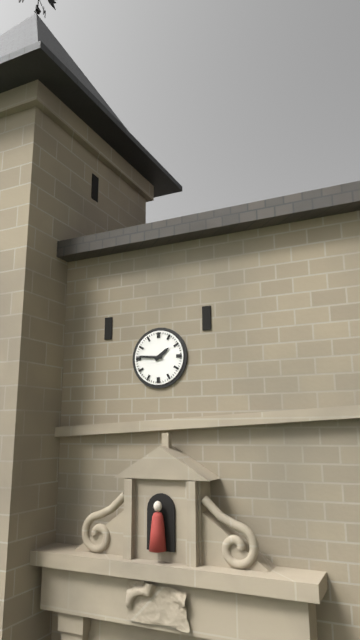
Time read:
**1:46**
